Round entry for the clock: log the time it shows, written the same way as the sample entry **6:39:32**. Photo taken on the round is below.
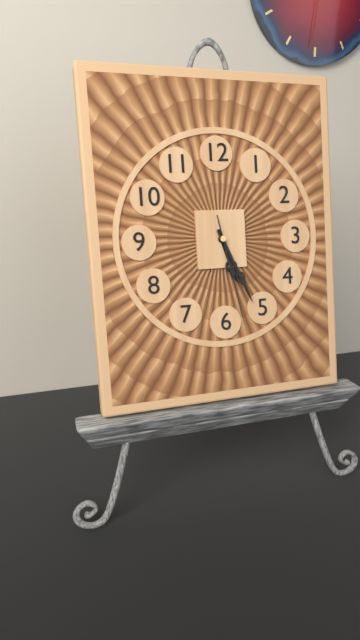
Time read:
**5:26:28**
